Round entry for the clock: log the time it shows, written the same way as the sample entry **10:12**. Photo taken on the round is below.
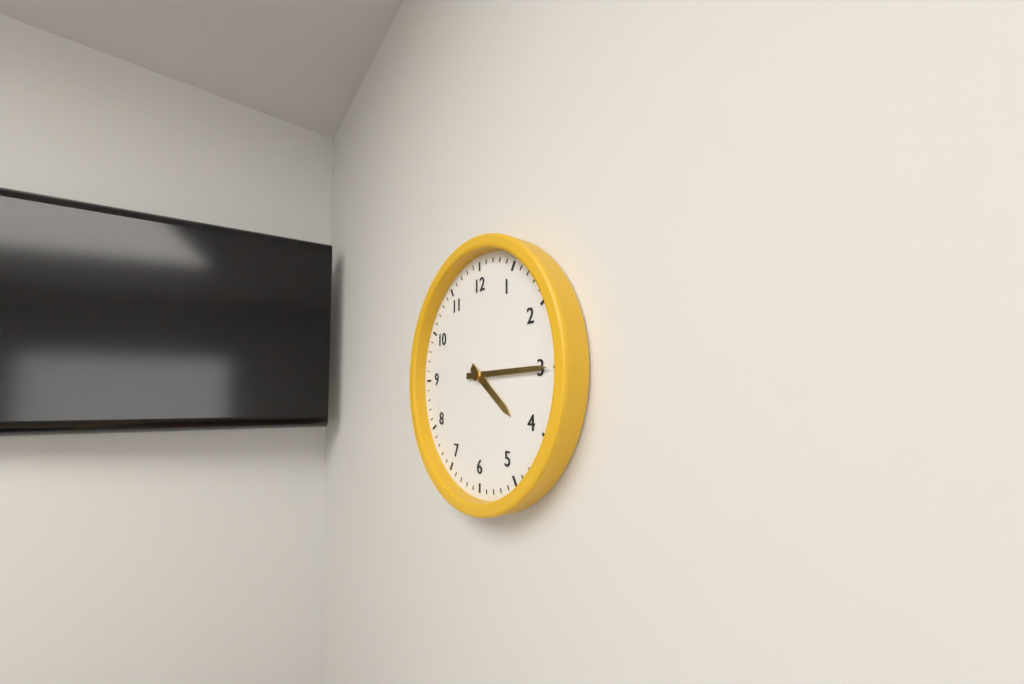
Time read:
**4:15**
